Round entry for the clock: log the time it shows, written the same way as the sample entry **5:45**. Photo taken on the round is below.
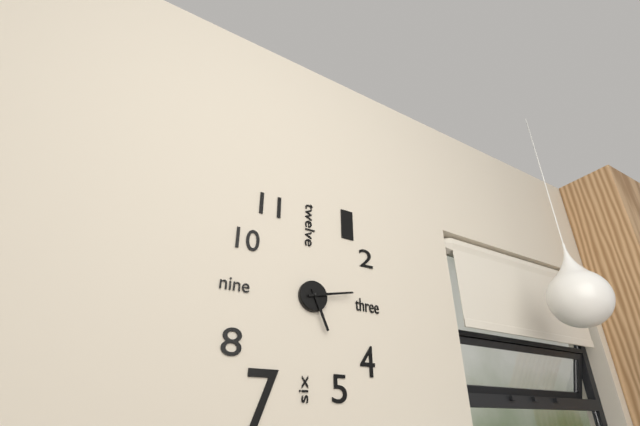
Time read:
**5:13**
